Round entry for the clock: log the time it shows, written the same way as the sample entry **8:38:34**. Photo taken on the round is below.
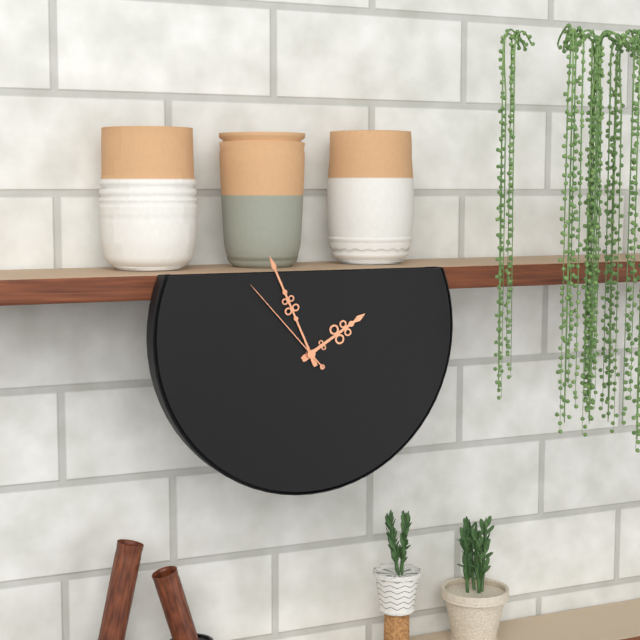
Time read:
**1:56:53**
